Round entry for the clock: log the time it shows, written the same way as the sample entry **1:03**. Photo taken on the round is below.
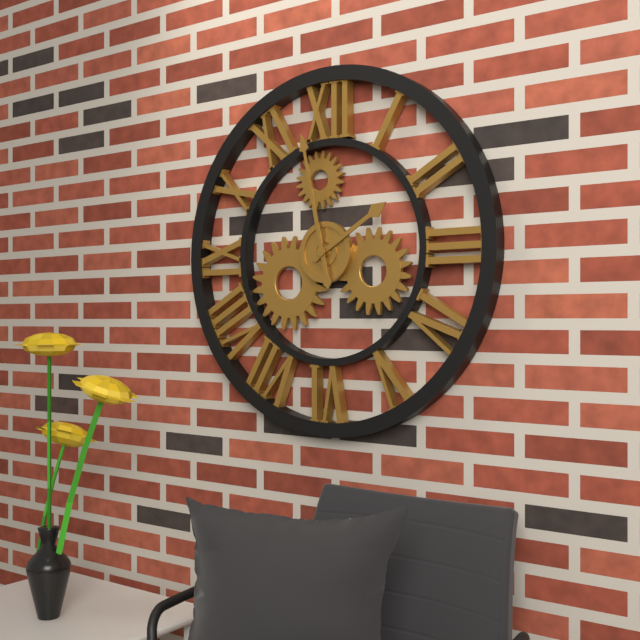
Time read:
**1:58**
